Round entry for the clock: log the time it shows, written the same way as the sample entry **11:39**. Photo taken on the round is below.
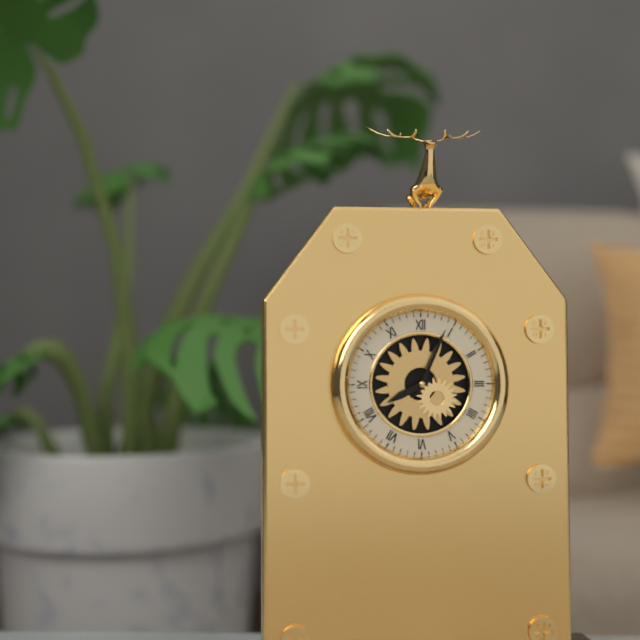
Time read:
**8:04**
